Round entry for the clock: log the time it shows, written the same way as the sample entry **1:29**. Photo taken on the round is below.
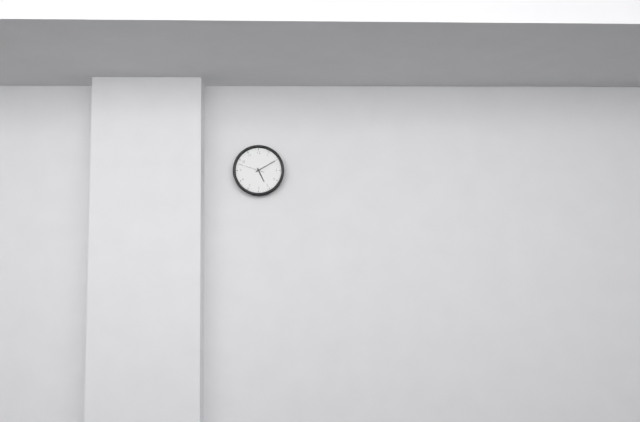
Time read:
**5:10**
